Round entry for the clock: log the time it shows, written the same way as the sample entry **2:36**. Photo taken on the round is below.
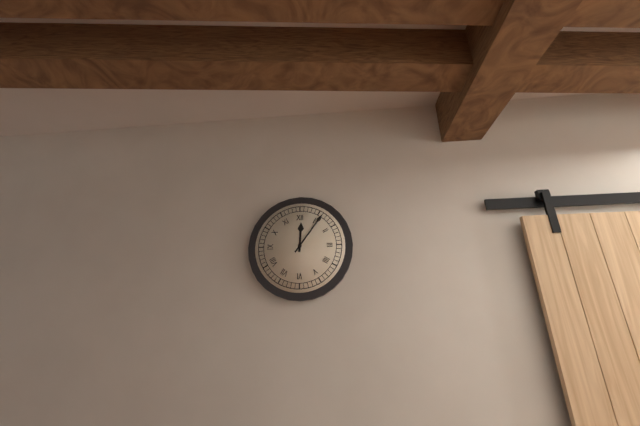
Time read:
**12:06**
